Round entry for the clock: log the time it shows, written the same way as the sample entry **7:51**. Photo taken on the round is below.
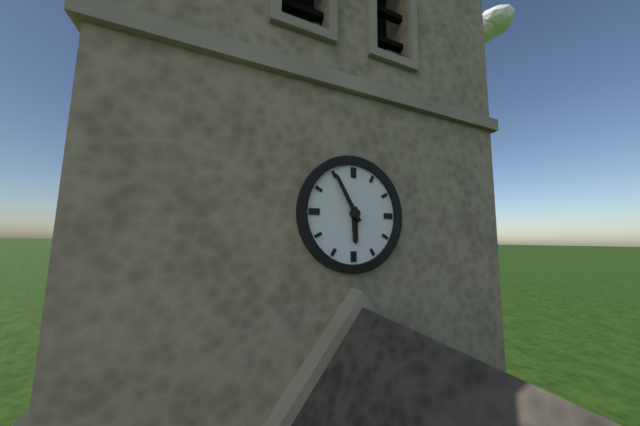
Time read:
**5:55**
